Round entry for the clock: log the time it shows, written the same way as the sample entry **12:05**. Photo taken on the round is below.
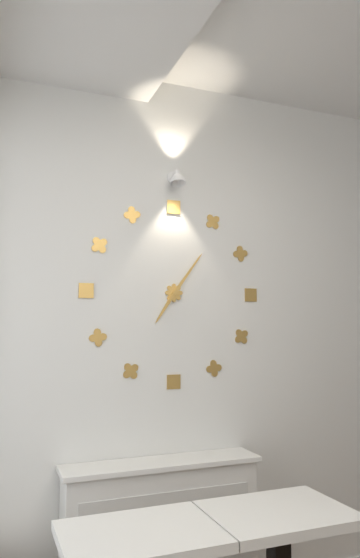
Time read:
**7:06**
